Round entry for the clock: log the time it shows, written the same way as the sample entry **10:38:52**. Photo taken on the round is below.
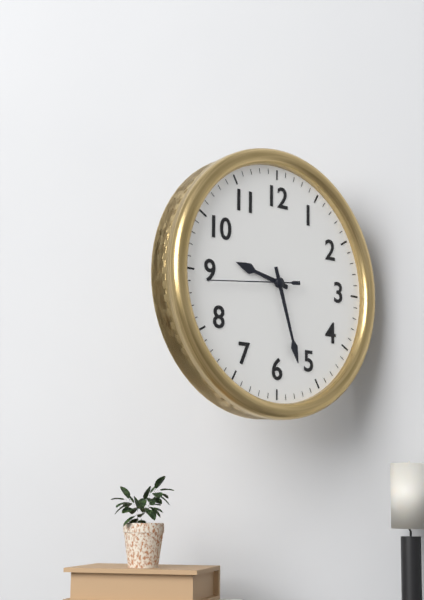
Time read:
**9:27:44**
